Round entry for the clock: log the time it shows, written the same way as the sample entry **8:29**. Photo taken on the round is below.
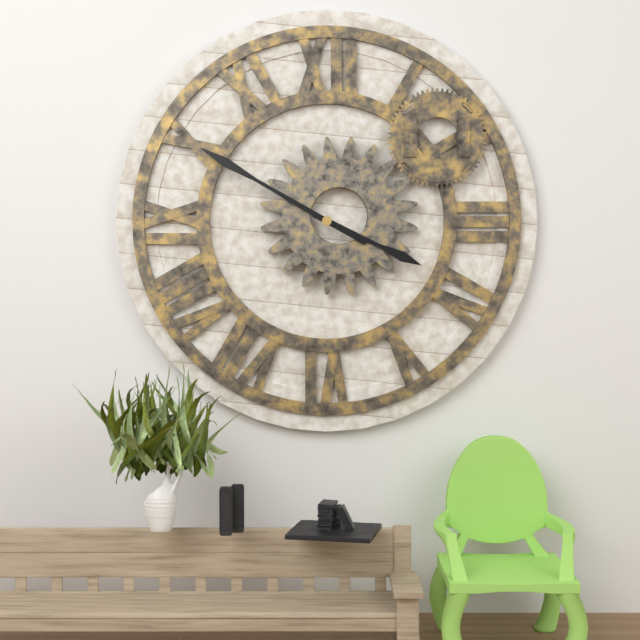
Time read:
**3:50**
